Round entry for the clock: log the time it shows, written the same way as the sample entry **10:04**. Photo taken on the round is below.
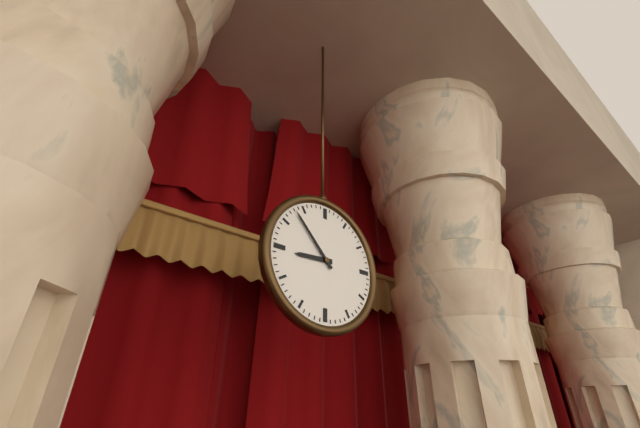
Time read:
**8:53**
